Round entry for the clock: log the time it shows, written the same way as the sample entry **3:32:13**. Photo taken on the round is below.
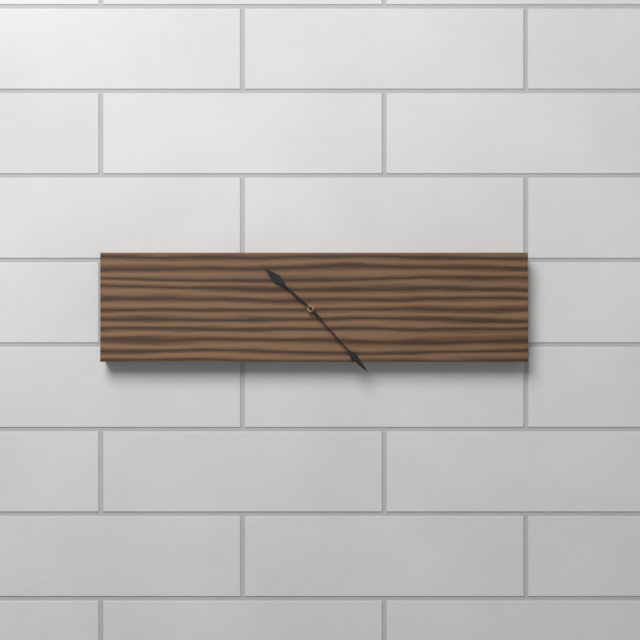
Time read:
**10:23:52**
